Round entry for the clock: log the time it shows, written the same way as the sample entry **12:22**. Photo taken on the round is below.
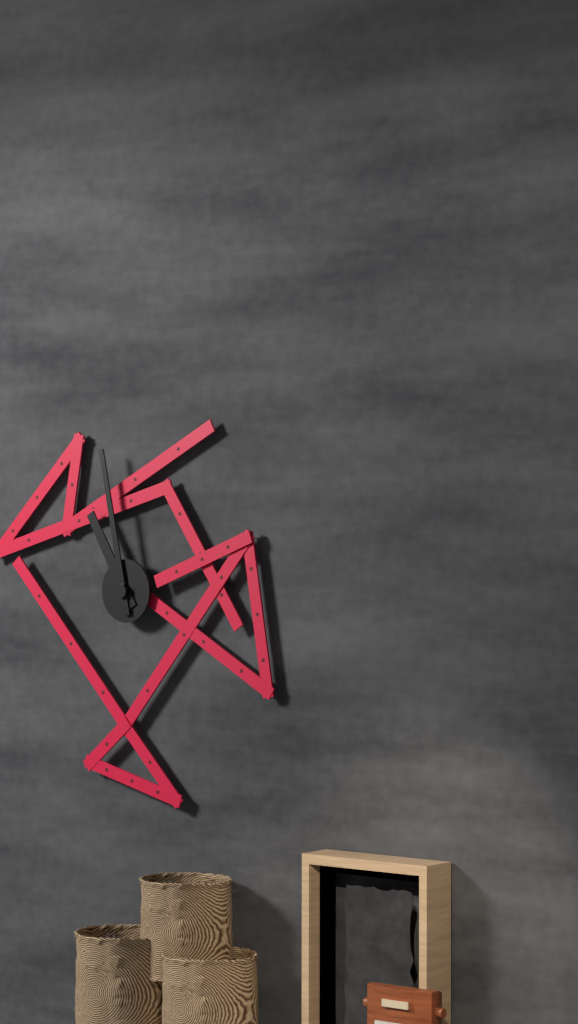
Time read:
**10:58**
